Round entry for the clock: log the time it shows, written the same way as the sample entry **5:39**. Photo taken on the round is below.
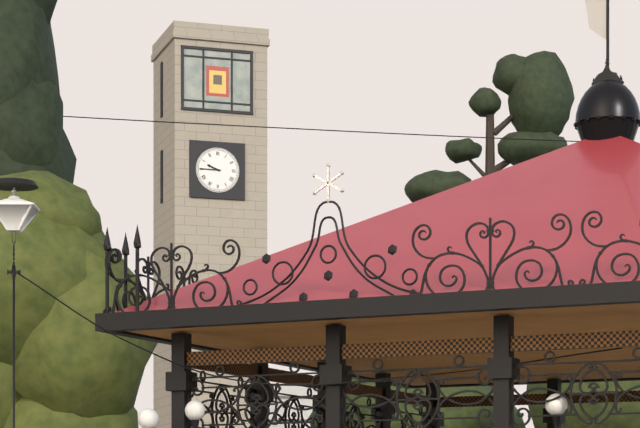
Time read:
**9:45**
